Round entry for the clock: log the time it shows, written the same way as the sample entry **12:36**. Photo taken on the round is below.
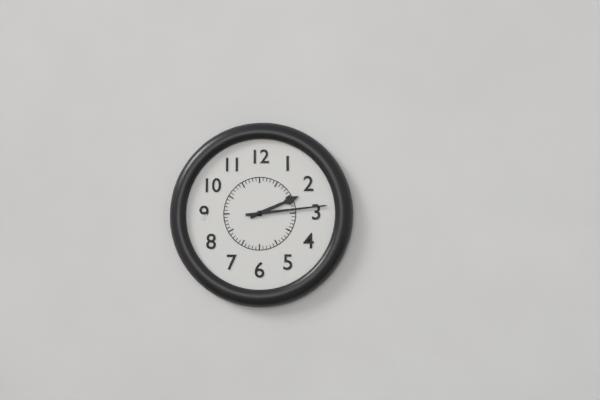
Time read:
**2:14**
